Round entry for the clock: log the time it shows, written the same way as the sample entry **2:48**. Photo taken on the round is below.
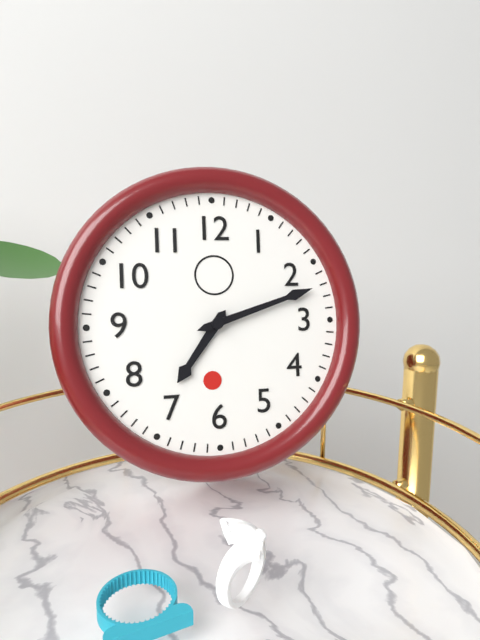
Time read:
**7:12**
